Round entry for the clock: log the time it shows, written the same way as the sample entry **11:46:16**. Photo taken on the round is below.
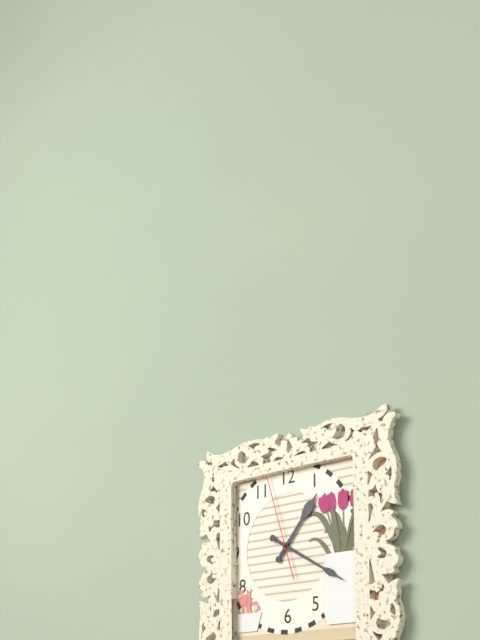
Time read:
**1:20:57**
